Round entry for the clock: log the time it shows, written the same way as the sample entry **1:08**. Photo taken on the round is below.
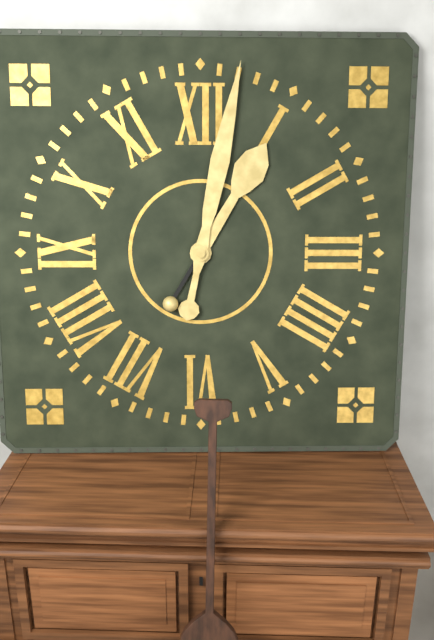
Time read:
**1:02**
